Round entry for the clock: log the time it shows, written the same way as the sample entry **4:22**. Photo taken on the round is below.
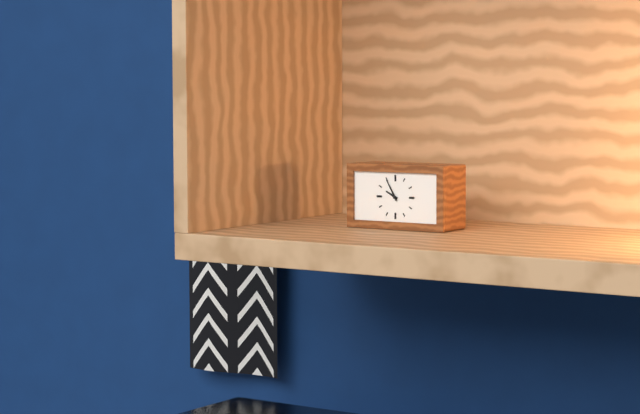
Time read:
**9:55**
